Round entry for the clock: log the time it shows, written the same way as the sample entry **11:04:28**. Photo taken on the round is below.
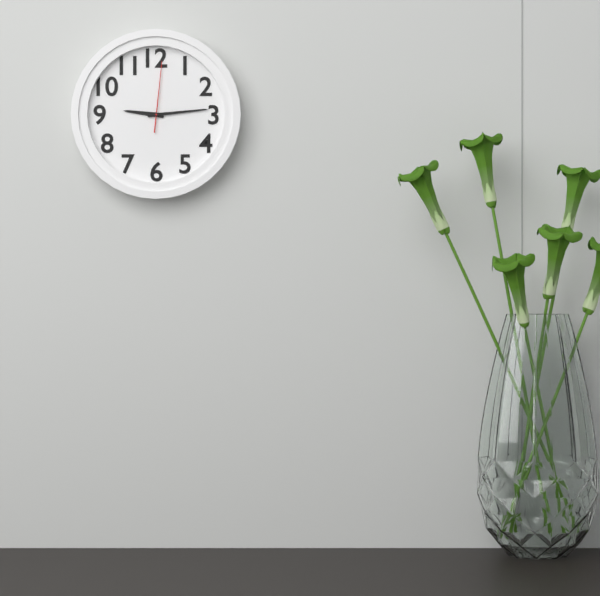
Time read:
**9:14:01**
